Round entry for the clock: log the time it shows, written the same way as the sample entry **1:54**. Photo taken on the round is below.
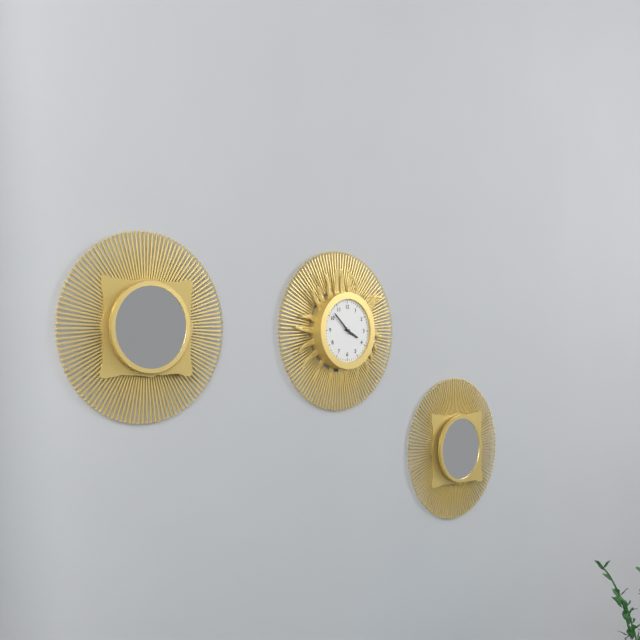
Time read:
**3:52**
